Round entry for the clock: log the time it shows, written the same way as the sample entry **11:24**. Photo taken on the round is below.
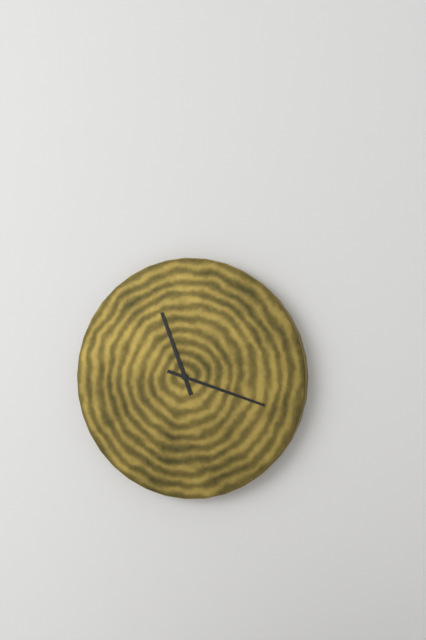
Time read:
**11:18**
